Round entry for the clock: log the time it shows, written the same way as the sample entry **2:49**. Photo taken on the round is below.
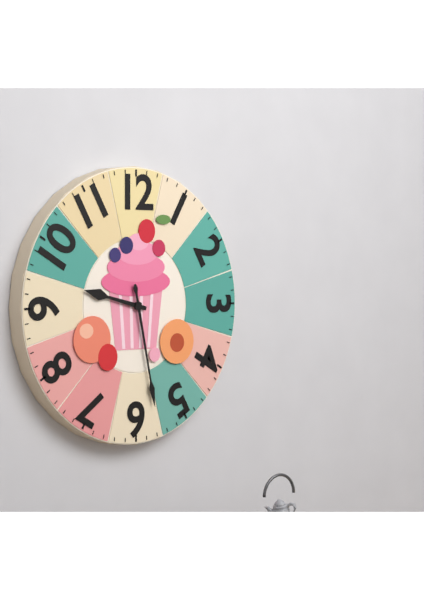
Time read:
**9:28**
